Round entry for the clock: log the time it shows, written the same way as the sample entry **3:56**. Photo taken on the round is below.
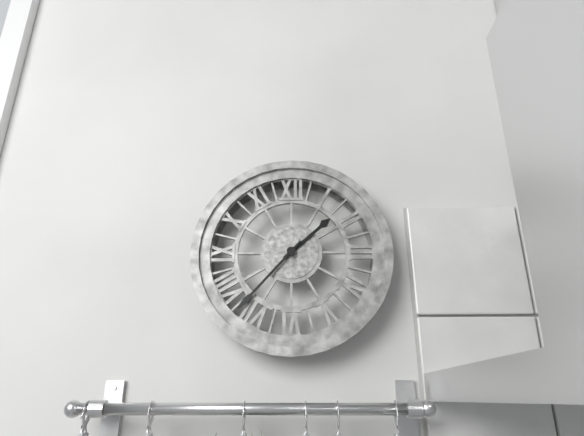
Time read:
**1:37**
